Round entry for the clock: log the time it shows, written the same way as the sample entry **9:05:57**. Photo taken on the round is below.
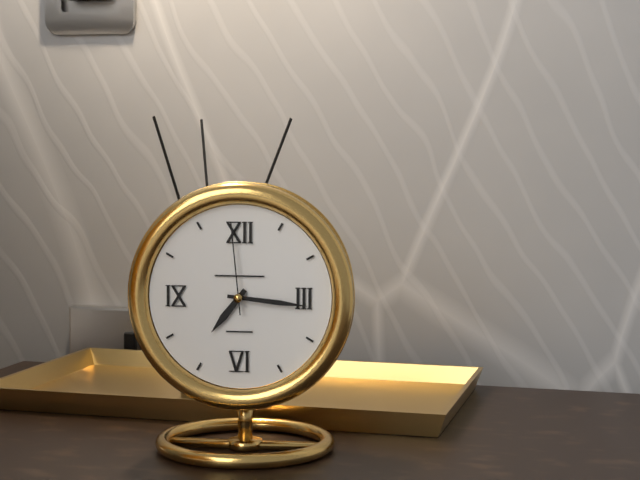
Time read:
**7:16:59**
